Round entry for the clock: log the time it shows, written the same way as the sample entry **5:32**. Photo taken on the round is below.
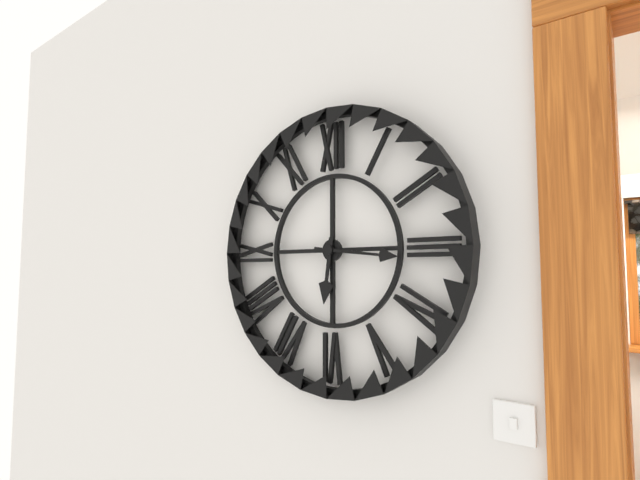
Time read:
**6:16**
